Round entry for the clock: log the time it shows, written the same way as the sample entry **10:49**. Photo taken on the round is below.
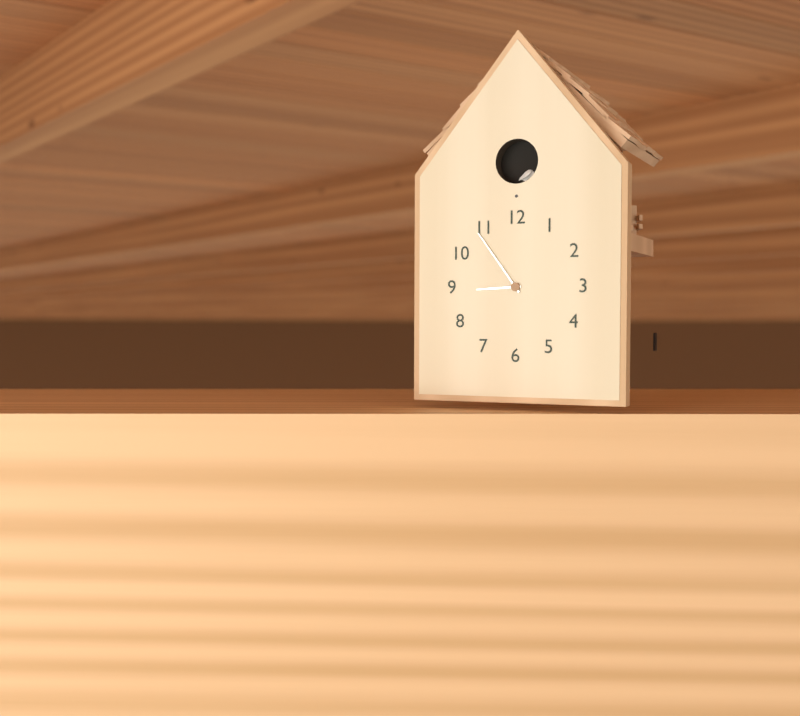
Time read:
**8:54**
